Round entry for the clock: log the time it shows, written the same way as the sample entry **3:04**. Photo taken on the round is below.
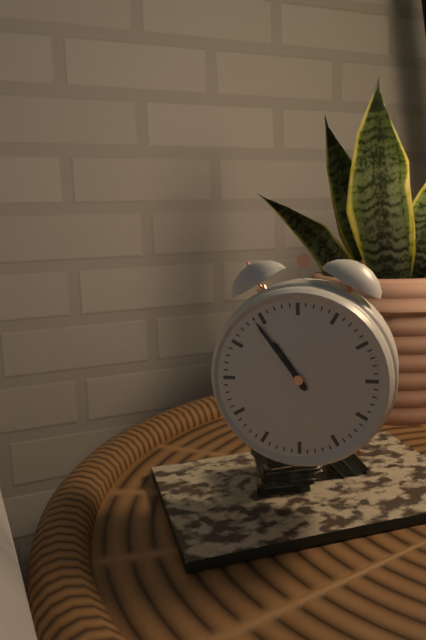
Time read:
**10:54**
